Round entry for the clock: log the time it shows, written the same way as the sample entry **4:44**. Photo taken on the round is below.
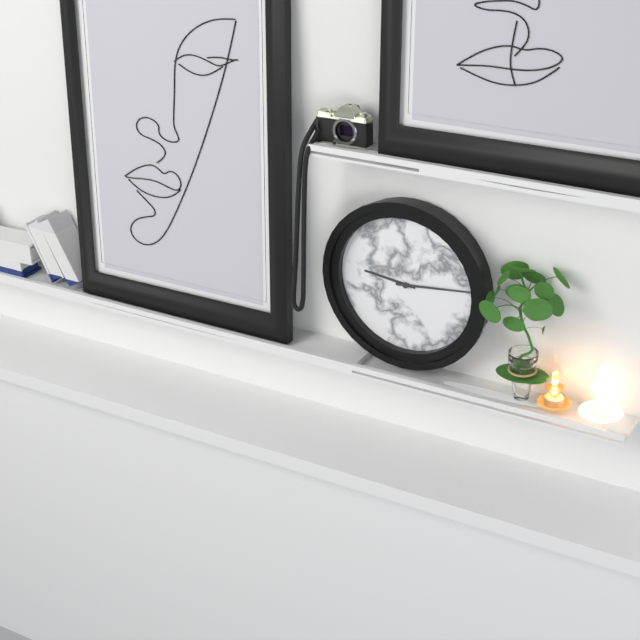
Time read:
**9:14**
